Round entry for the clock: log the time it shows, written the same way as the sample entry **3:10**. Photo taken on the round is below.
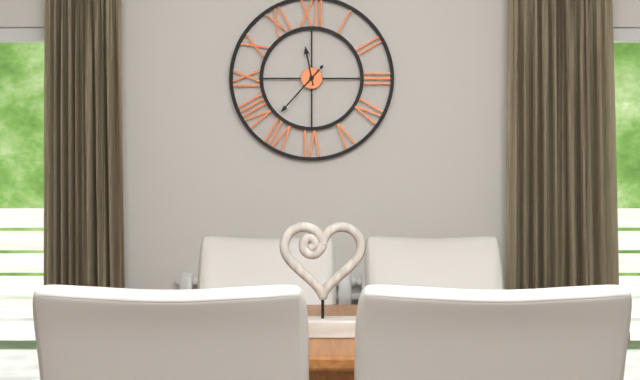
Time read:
**11:37**
